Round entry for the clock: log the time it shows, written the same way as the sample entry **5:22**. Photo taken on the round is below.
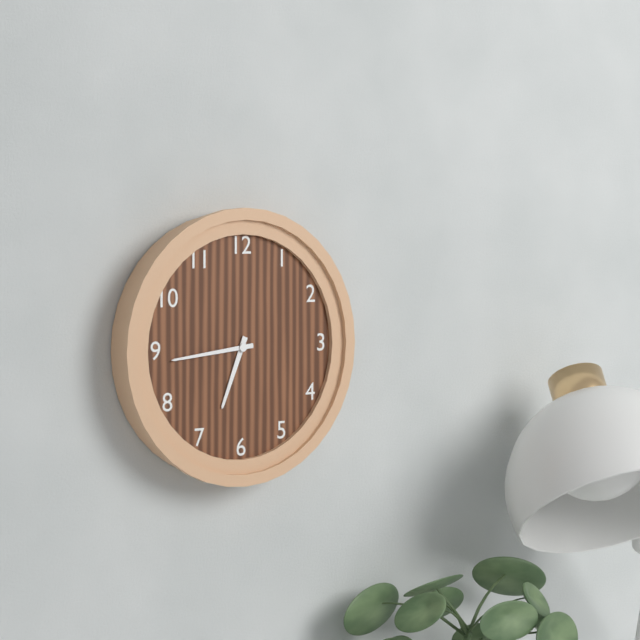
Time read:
**6:44**
